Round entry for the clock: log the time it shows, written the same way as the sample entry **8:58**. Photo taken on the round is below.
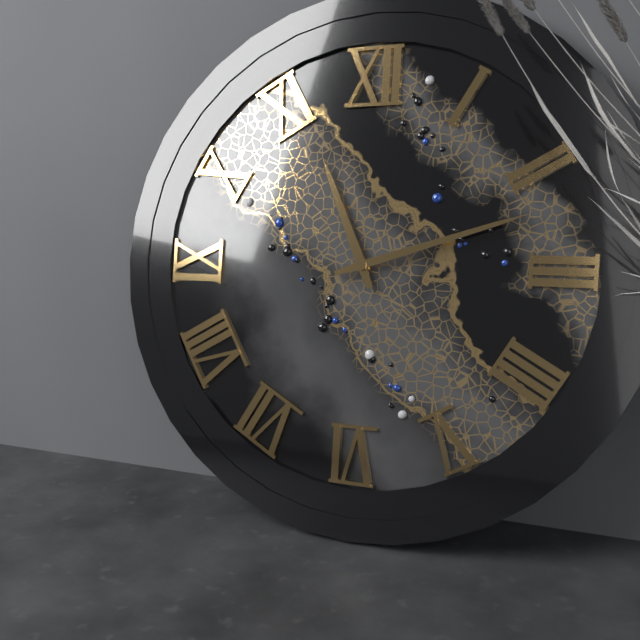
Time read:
**11:12**
